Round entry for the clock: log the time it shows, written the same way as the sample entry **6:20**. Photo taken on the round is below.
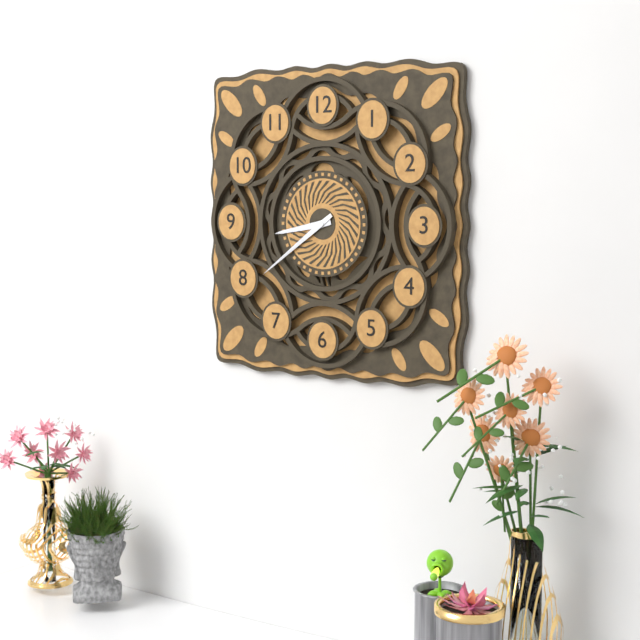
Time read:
**8:39**
